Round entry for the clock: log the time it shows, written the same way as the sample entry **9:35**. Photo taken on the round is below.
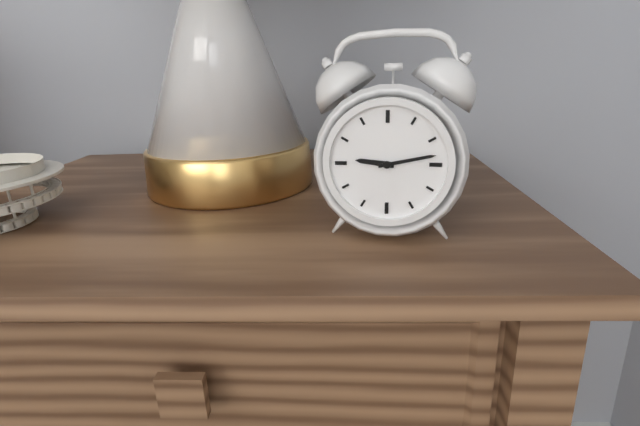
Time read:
**9:13**
